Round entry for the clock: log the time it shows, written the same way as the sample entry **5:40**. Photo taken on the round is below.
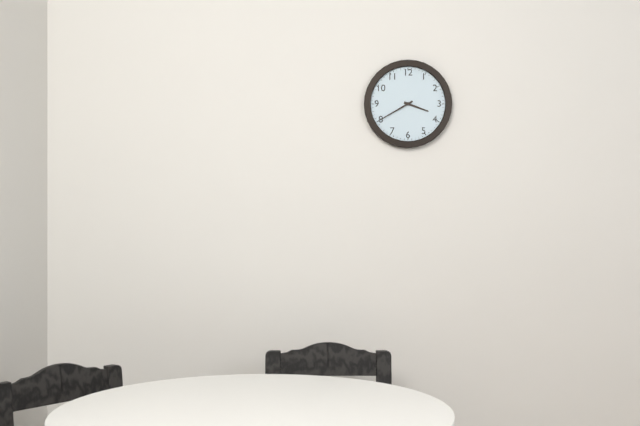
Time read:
**3:40**
